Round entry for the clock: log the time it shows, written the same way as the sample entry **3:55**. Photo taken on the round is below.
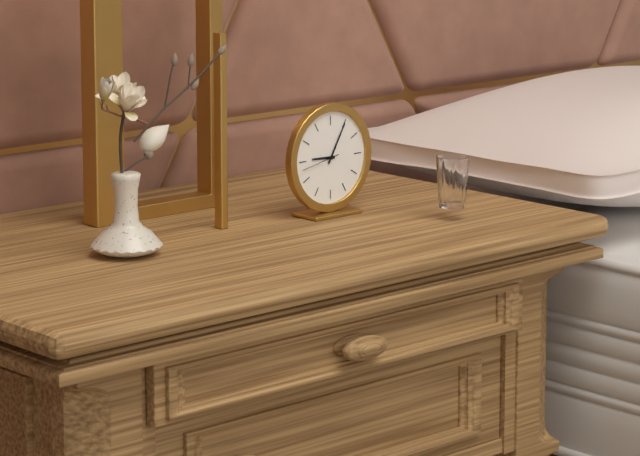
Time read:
**9:05**
